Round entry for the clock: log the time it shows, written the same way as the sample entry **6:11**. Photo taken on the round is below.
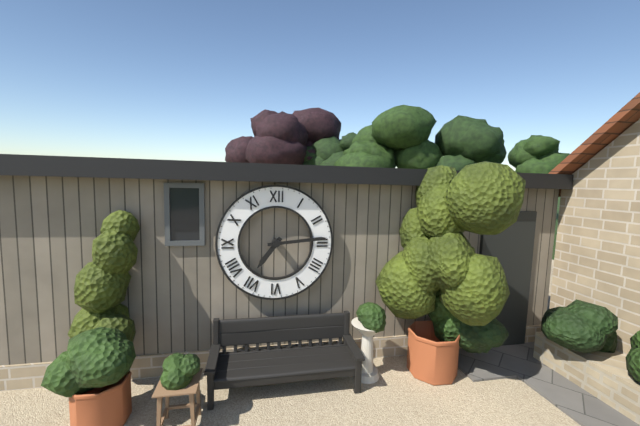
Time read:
**7:14**
